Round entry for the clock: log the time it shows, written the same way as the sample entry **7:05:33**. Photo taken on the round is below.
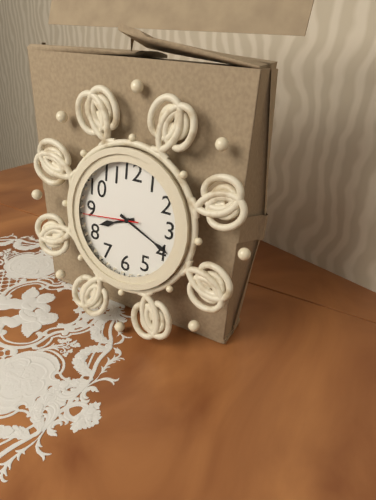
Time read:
**8:19:44**
